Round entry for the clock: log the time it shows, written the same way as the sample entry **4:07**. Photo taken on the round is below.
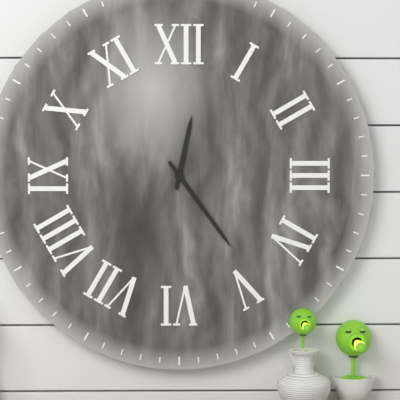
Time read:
**12:24**
